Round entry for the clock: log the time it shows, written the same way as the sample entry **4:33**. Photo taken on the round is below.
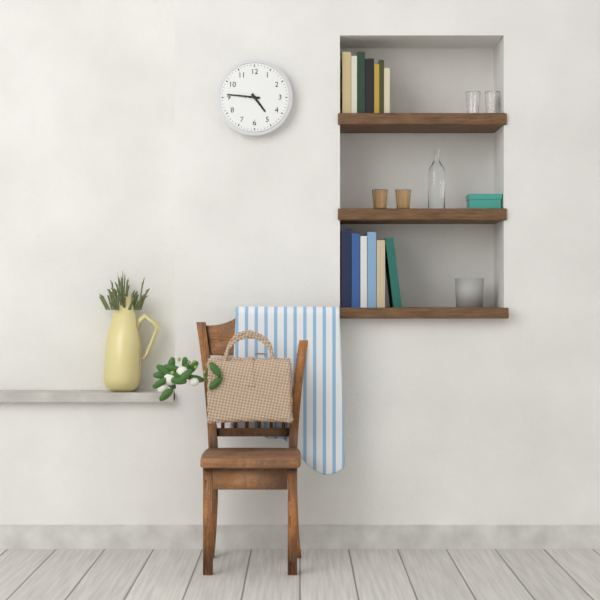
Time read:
**4:46**
